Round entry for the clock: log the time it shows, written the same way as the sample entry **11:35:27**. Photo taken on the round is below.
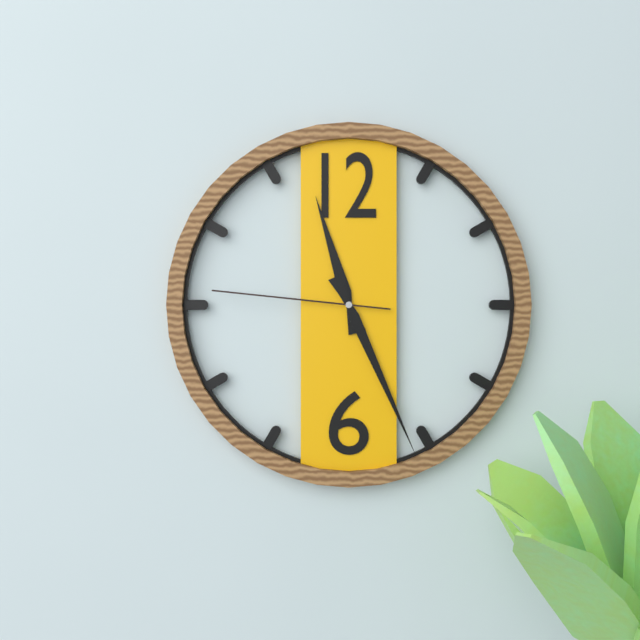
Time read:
**11:26:46**
